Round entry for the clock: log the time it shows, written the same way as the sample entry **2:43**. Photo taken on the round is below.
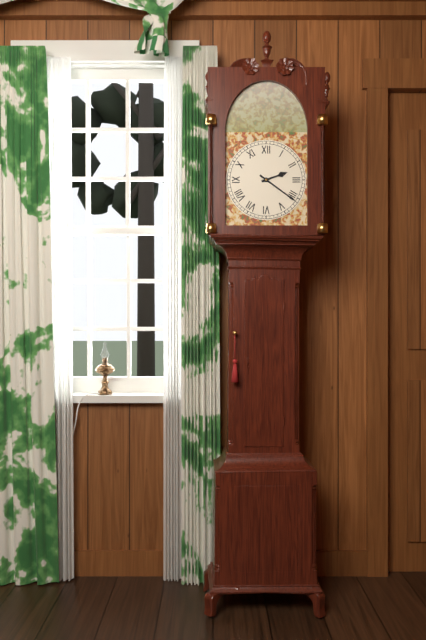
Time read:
**2:21**
